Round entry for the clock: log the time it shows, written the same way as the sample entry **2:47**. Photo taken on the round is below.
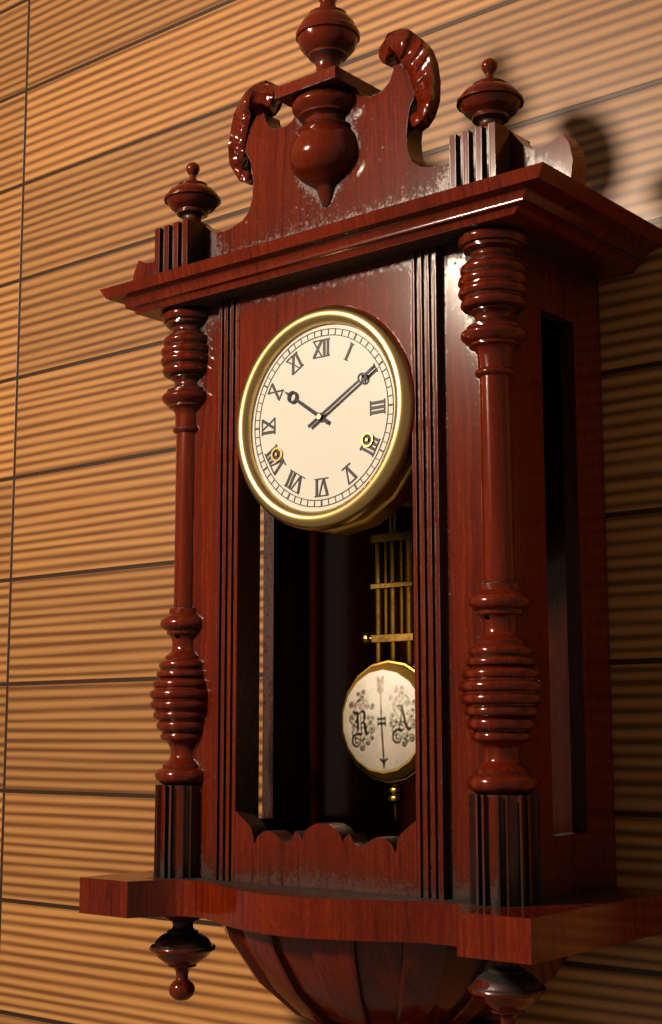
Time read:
**10:10**
